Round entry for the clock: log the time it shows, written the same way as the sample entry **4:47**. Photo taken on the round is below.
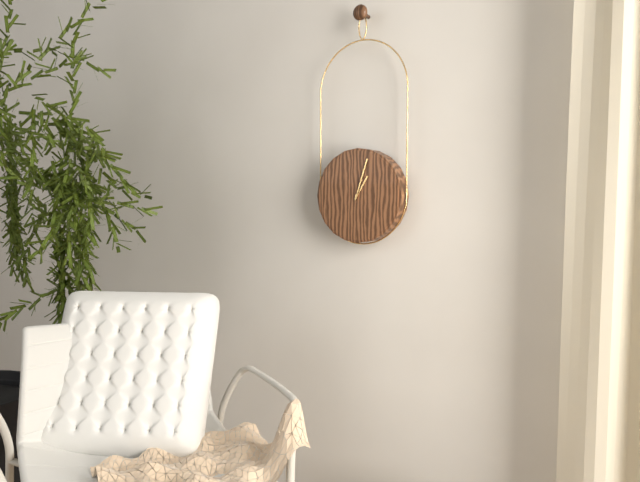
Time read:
**1:03**
